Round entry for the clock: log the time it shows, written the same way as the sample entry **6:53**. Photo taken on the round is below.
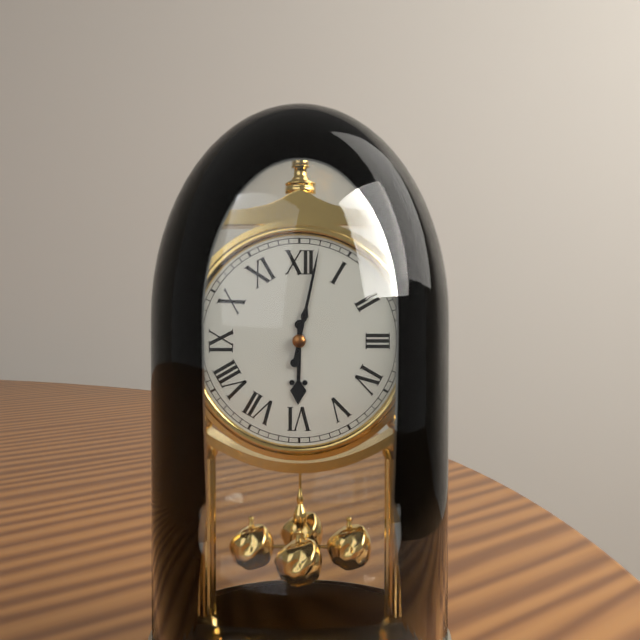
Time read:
**6:02**
